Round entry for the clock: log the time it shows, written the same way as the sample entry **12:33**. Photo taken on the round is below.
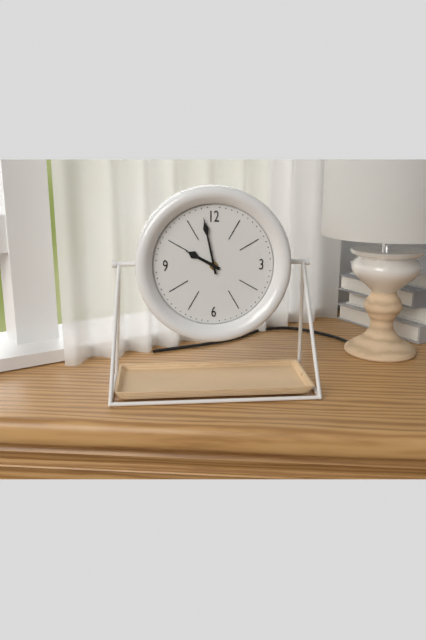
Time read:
**9:58**
